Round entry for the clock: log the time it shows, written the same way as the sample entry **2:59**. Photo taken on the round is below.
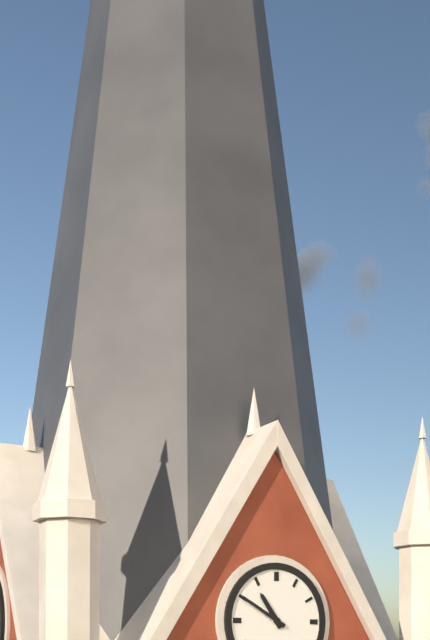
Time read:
**10:50**
